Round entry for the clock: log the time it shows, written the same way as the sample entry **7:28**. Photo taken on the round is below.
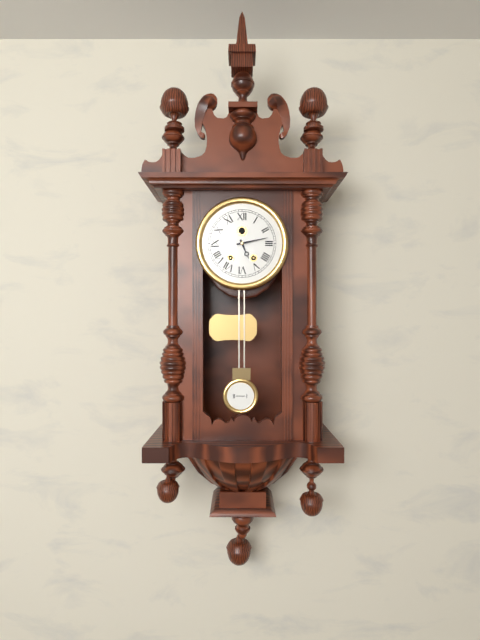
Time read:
**5:13**
